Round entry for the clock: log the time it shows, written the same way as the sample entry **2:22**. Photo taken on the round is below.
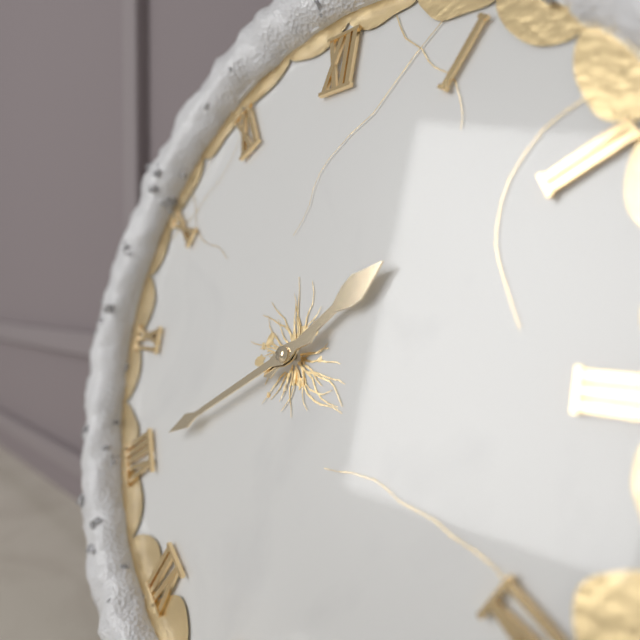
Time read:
**1:40**
